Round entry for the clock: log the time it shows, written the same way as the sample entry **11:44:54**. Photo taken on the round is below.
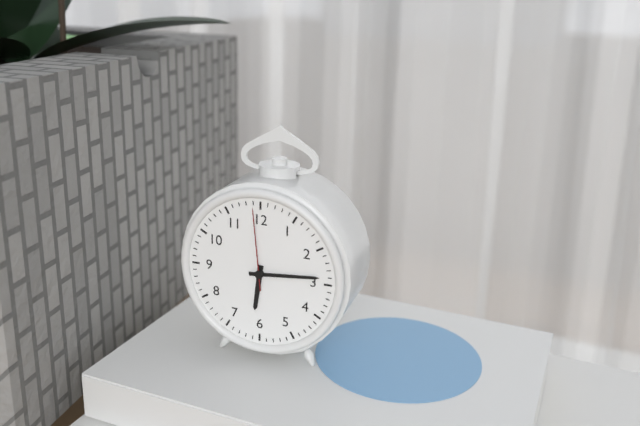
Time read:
**6:14:59**
